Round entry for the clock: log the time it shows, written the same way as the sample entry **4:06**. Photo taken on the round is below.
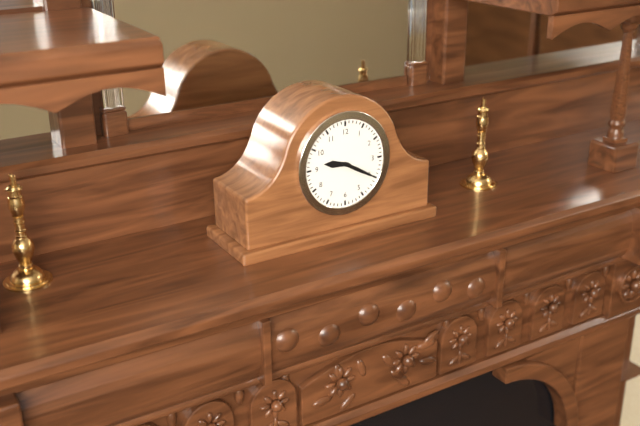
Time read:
**9:20**
